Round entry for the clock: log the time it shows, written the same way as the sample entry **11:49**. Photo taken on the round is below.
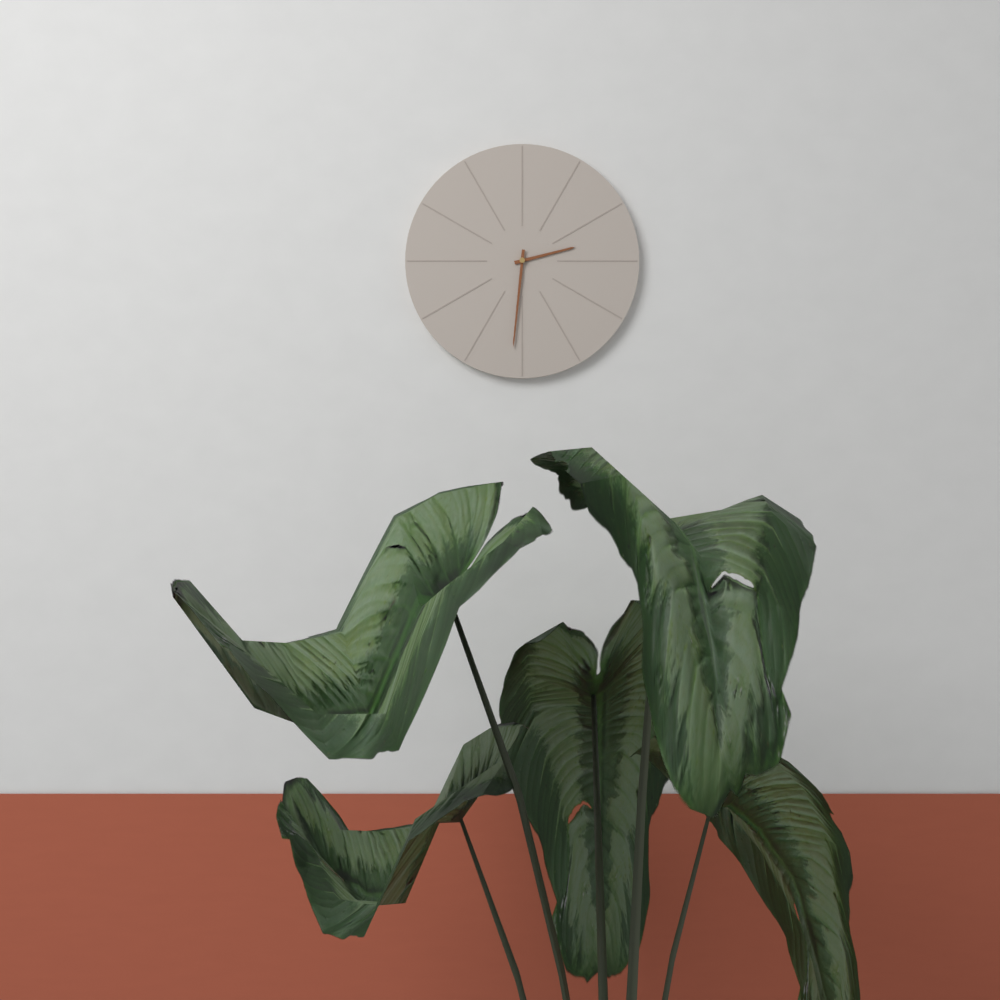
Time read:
**2:31**
